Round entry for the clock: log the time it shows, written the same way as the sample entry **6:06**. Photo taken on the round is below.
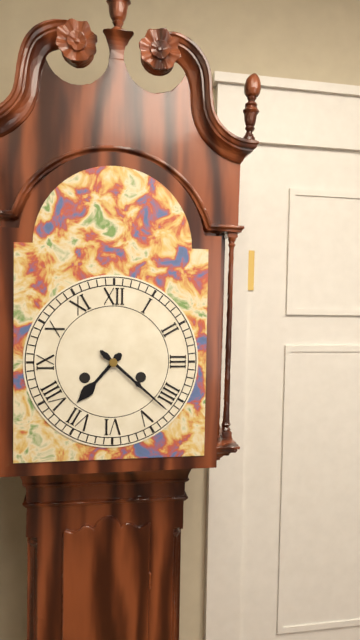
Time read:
**7:22**
